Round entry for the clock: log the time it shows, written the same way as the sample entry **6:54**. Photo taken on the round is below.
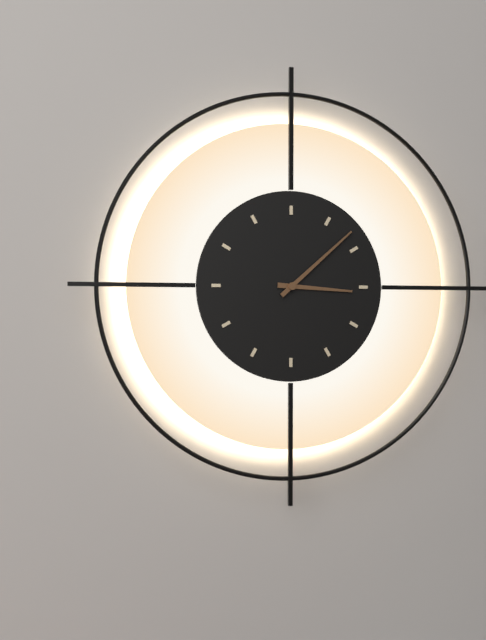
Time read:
**3:08**
